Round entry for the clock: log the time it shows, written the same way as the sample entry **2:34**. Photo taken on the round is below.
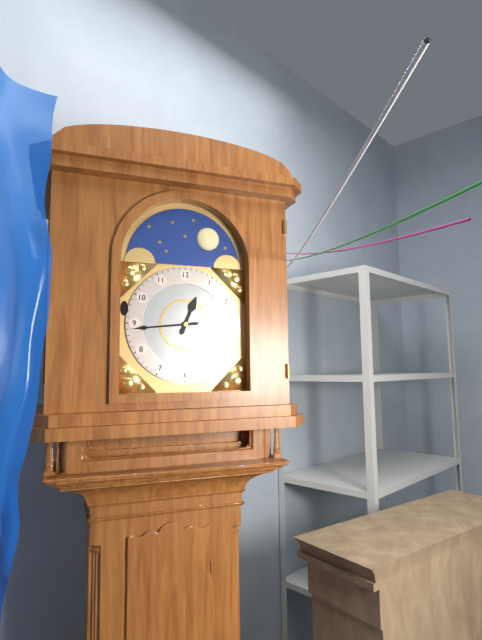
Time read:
**12:44**
